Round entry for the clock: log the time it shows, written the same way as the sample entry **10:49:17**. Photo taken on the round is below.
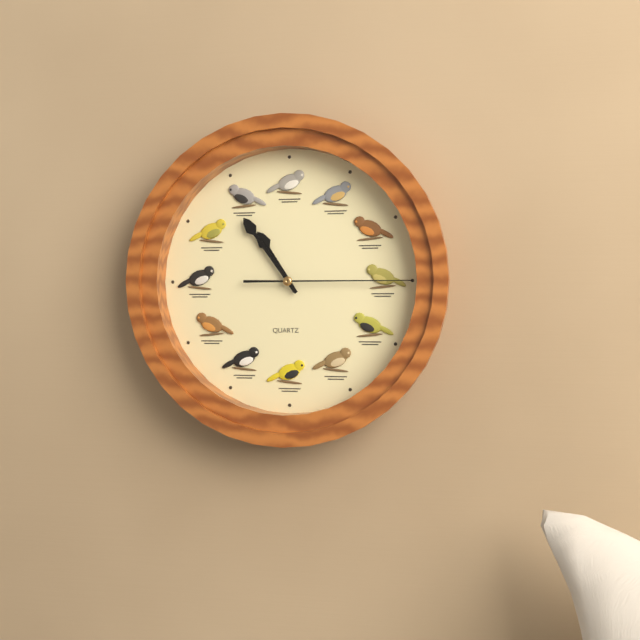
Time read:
**10:54:15**
